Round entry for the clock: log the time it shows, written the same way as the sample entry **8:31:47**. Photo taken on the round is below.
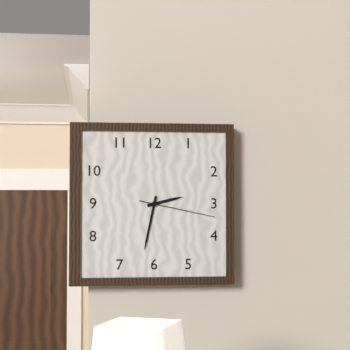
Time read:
**2:32:17**
